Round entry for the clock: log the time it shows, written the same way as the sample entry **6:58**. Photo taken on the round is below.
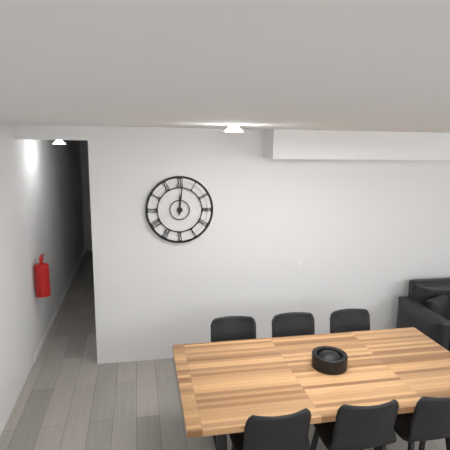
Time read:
**12:01**
